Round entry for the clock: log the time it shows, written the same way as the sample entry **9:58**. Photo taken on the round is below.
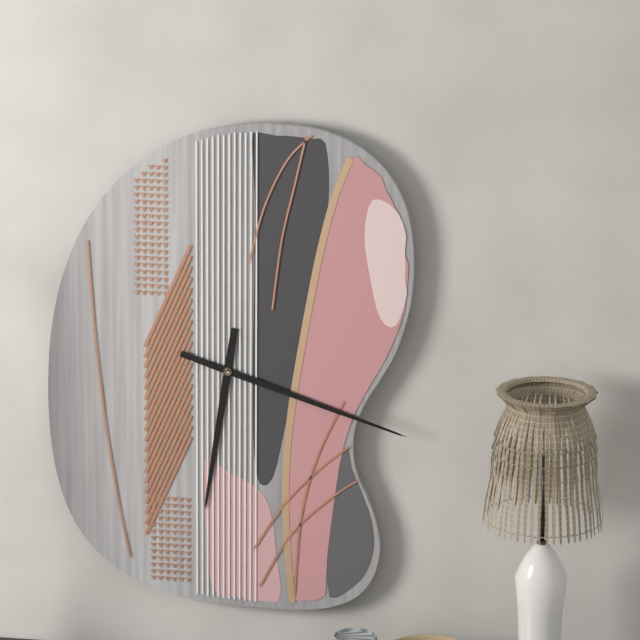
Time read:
**6:18**
